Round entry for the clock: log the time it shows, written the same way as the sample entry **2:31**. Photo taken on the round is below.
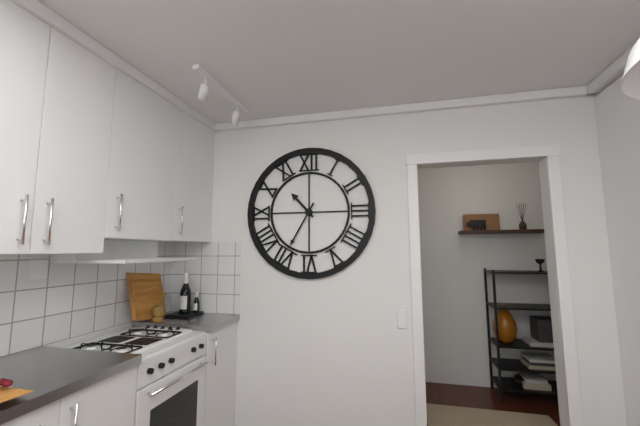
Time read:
**10:35**
